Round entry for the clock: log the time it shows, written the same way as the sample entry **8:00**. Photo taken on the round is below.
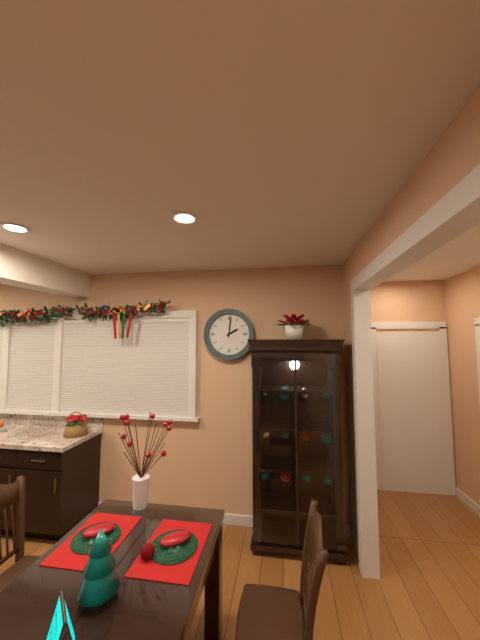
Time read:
**2:01**
